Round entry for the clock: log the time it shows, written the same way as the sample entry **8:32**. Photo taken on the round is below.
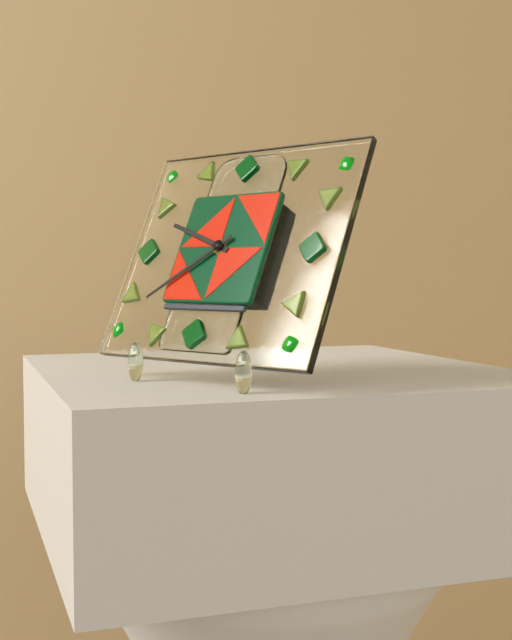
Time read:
**9:39**
